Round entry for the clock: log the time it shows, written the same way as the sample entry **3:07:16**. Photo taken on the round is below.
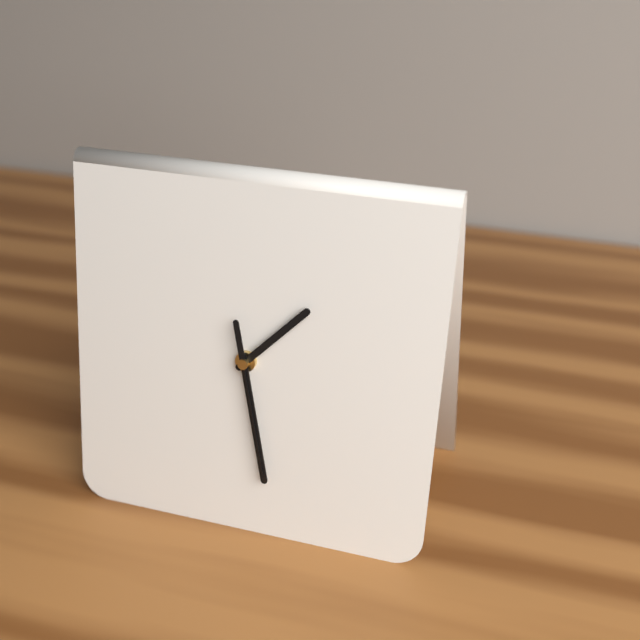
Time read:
**1:28:28**
